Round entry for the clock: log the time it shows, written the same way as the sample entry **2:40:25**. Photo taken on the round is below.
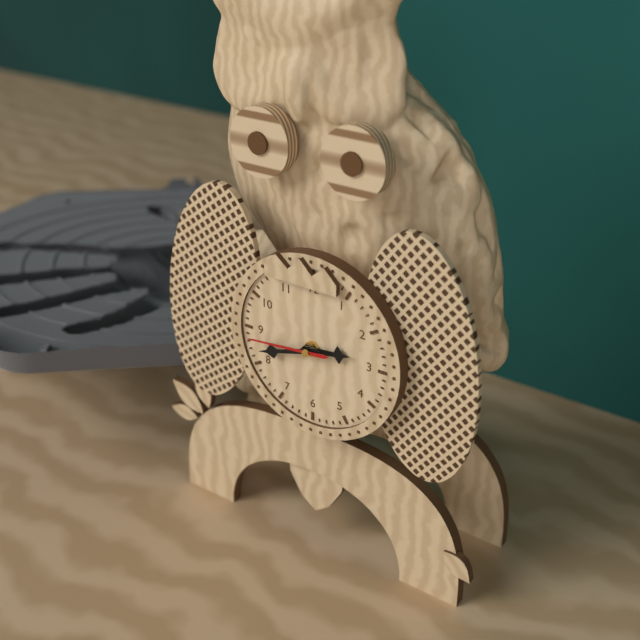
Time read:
**2:42:44**
